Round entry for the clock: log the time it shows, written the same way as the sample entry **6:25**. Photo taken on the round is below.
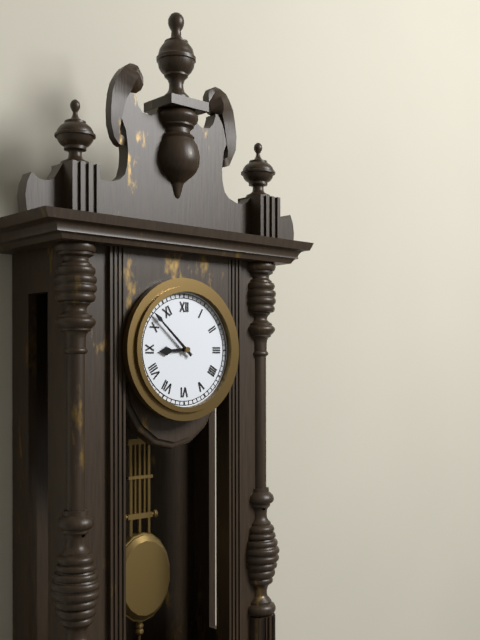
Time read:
**8:52**
